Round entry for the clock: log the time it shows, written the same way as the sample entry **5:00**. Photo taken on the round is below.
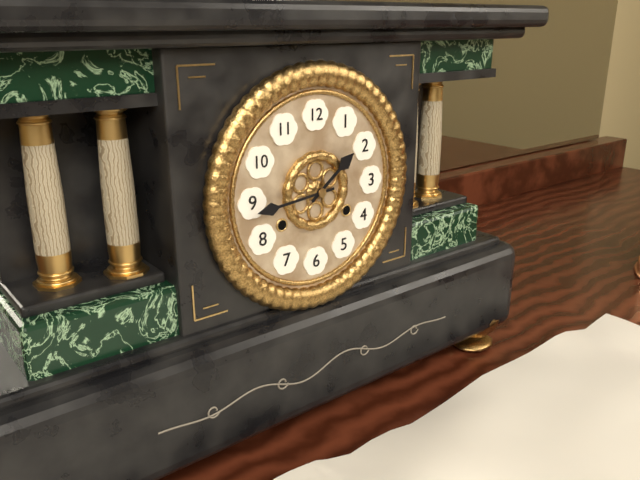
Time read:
**1:44**
